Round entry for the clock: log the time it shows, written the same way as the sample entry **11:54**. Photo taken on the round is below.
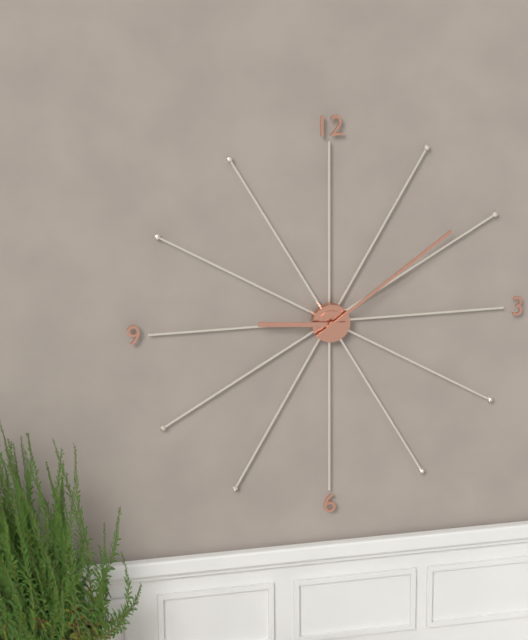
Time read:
**9:09**
